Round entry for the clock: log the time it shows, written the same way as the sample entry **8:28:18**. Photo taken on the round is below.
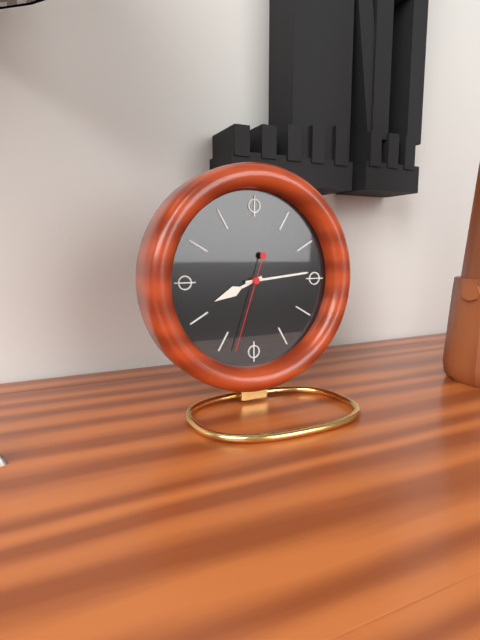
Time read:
**8:14:33**
